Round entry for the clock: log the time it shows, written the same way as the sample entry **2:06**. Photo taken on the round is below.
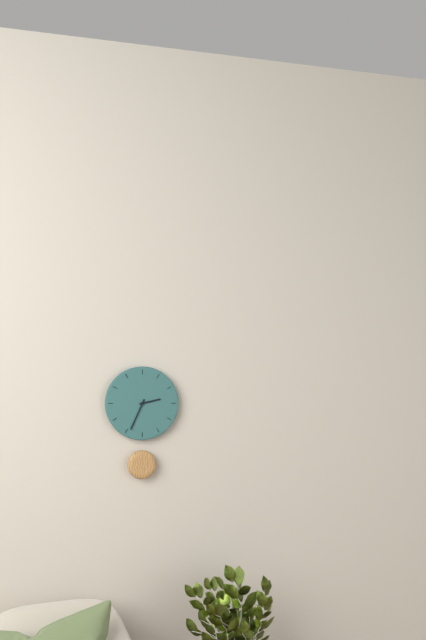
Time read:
**2:34**
